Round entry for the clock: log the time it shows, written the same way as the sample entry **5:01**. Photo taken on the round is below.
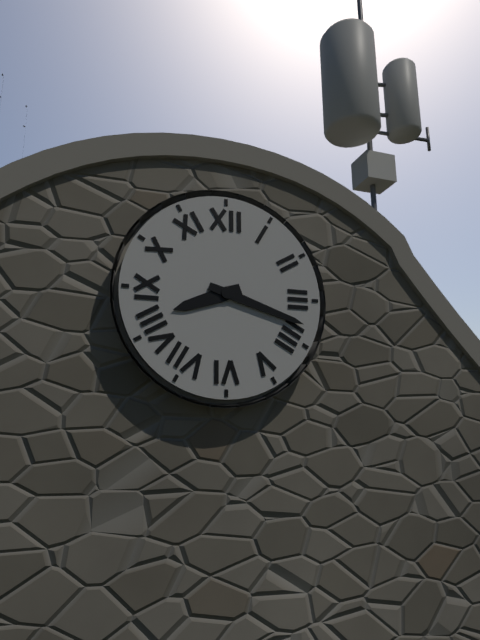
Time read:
**8:18**
